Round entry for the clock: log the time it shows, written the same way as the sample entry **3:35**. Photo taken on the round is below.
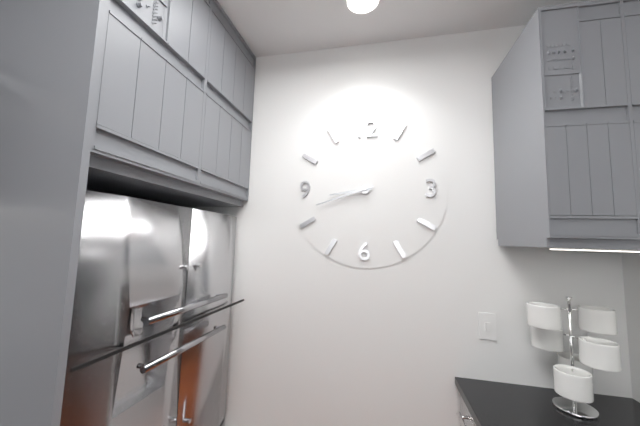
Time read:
**8:42**
